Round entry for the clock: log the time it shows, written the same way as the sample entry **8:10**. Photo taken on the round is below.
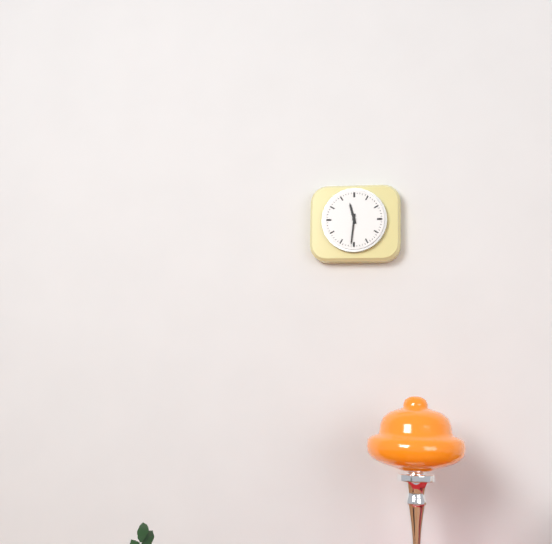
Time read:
**11:31**
